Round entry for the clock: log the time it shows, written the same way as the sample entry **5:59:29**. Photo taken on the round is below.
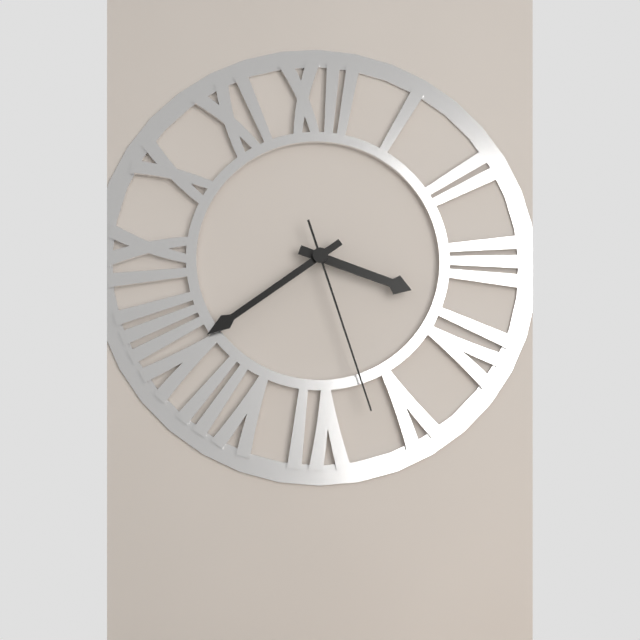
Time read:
**3:39:27**
